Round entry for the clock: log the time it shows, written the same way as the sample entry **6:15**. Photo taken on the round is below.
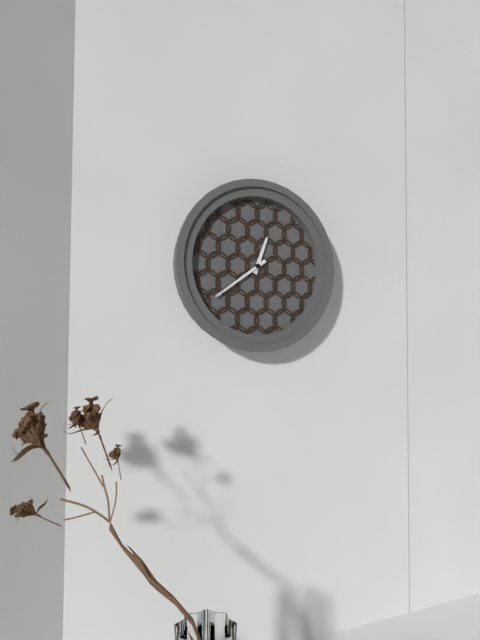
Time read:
**12:39**
